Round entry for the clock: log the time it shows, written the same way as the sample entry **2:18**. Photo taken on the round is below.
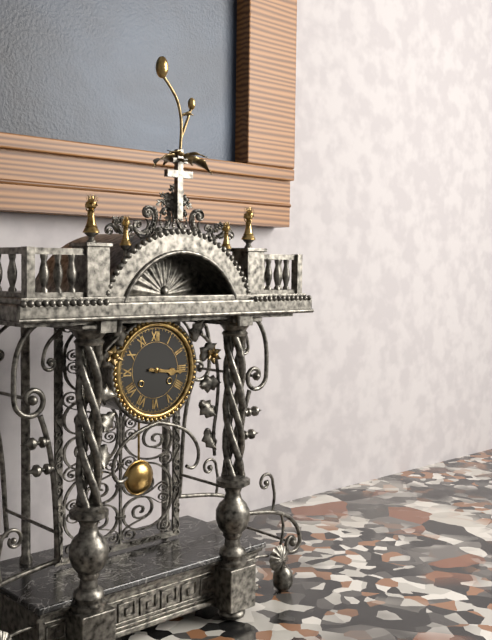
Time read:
**3:16**
